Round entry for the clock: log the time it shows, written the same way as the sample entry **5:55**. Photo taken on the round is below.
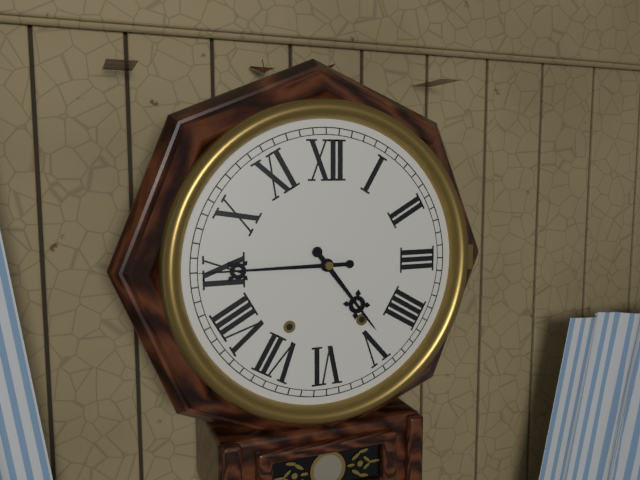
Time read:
**4:45**
